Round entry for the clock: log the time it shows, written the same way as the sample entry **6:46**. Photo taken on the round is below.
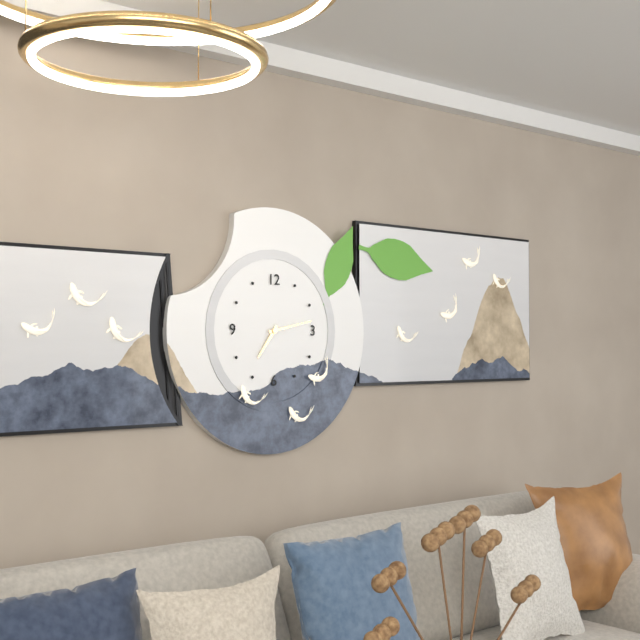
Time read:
**7:13**
